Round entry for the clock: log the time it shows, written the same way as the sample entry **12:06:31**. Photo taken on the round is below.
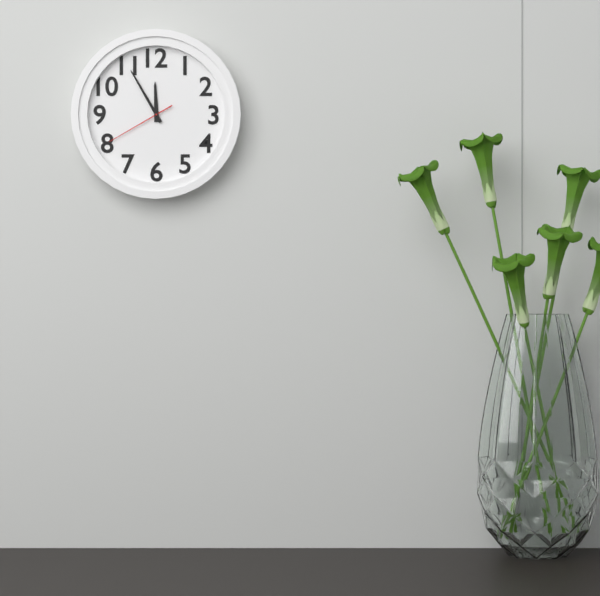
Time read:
**11:55:40**
